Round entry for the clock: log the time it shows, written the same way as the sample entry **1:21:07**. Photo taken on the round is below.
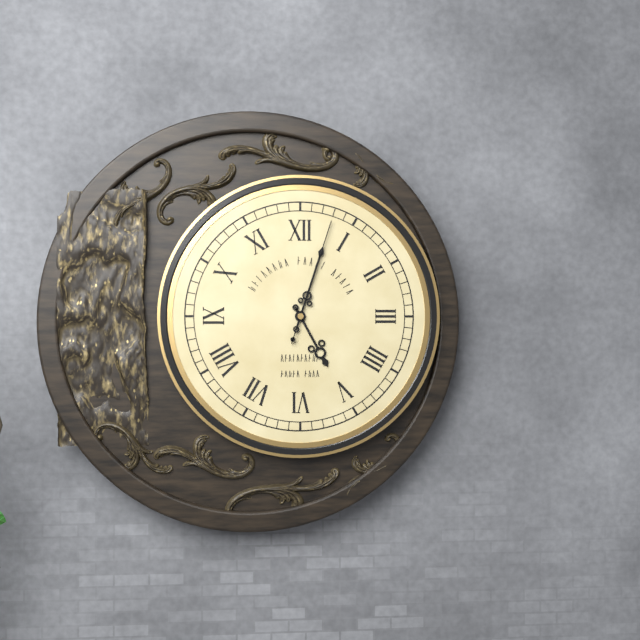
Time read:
**5:03:03**
